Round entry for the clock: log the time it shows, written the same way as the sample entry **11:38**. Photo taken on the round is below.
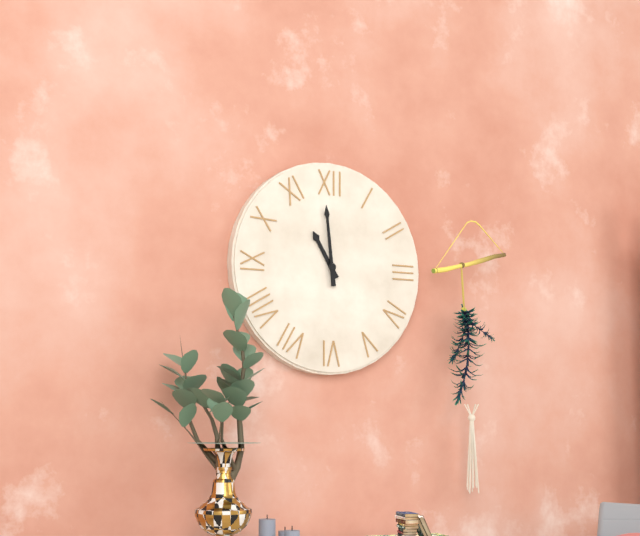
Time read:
**10:59**
